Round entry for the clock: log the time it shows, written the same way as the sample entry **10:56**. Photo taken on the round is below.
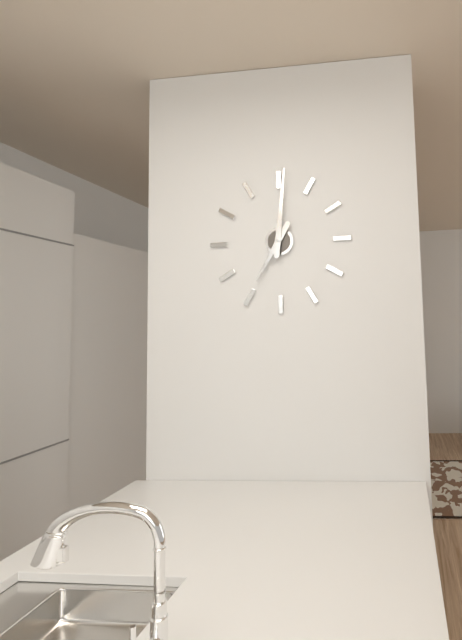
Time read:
**7:01**
